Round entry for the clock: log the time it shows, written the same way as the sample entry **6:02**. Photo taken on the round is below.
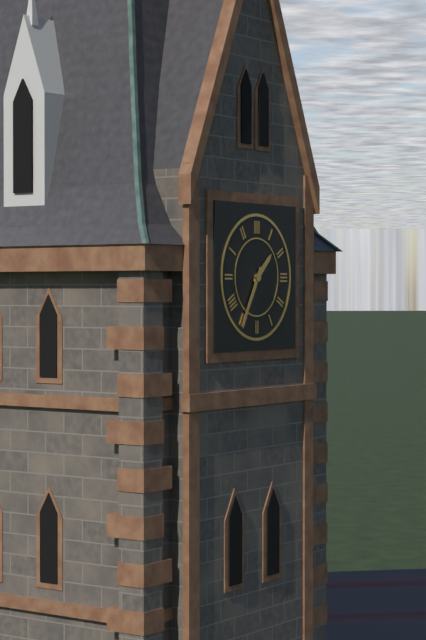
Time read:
**1:35**
